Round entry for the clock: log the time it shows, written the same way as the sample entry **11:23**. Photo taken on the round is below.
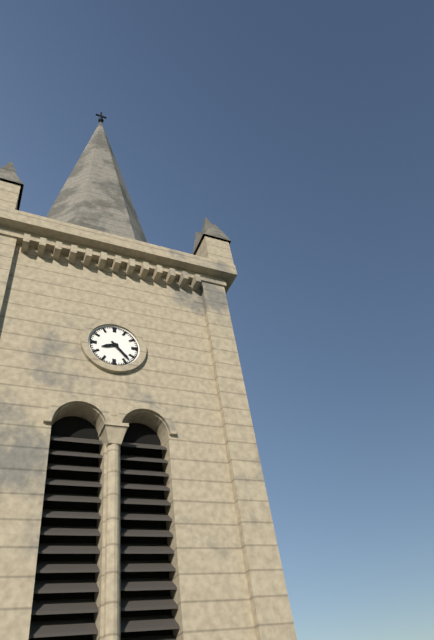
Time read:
**8:23**
